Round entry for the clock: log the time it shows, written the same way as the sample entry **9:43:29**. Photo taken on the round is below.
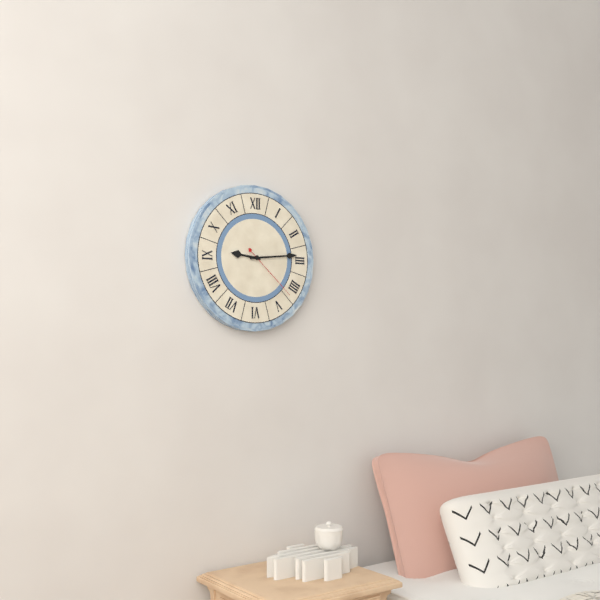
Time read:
**9:14:22**
